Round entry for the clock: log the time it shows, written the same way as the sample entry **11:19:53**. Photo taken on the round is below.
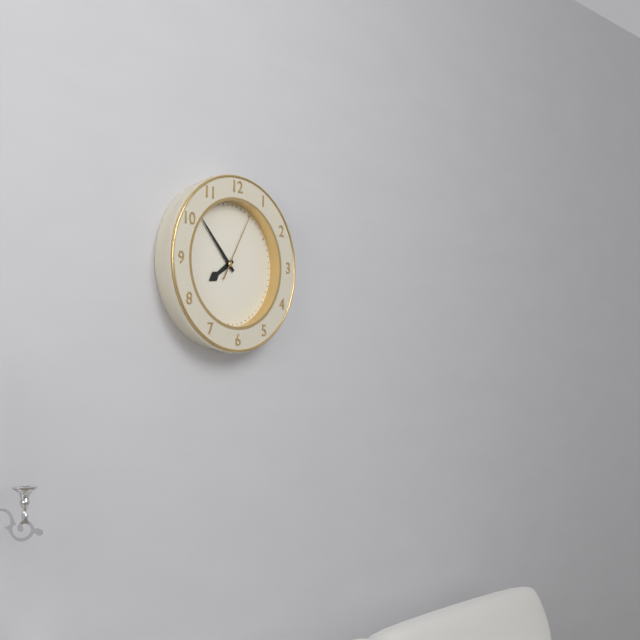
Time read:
**7:53:05**
